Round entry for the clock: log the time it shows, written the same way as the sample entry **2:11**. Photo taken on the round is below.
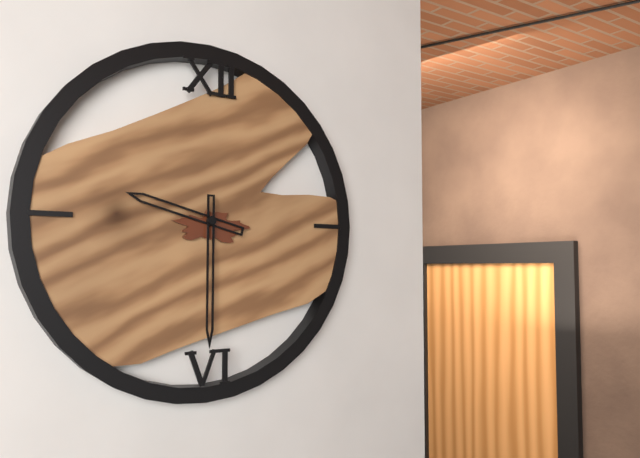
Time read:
**9:30**
